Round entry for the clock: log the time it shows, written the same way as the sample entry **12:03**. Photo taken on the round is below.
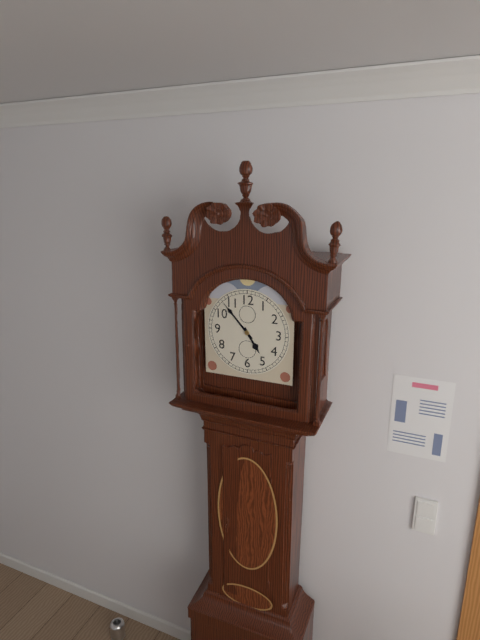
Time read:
**4:53**
